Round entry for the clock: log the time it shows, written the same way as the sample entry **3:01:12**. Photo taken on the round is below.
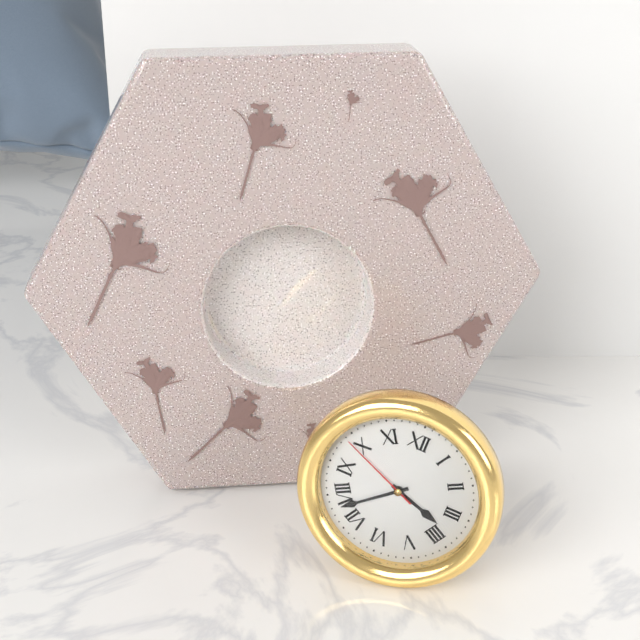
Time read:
**3:38:49**
